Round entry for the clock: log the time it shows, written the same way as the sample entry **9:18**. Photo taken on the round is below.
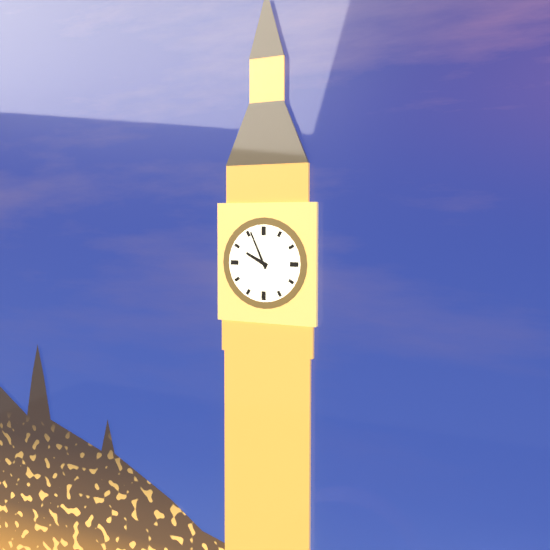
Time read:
**9:56**
